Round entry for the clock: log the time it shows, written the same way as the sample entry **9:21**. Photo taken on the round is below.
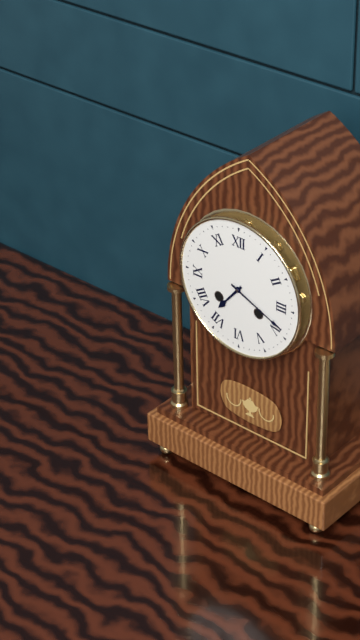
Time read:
**7:19**
